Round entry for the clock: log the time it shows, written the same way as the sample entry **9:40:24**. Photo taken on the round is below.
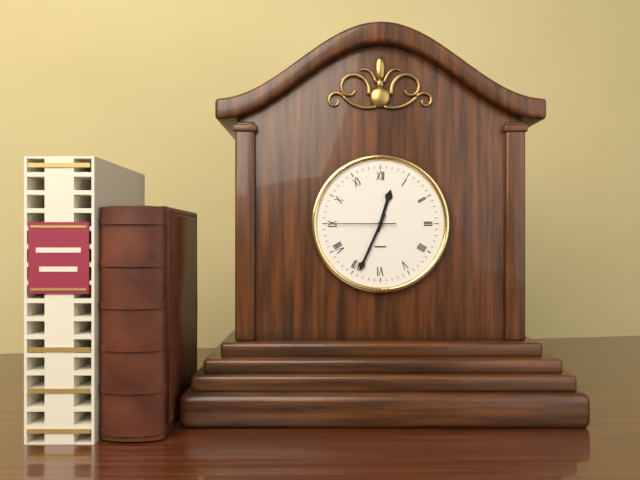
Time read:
**12:34:45**
